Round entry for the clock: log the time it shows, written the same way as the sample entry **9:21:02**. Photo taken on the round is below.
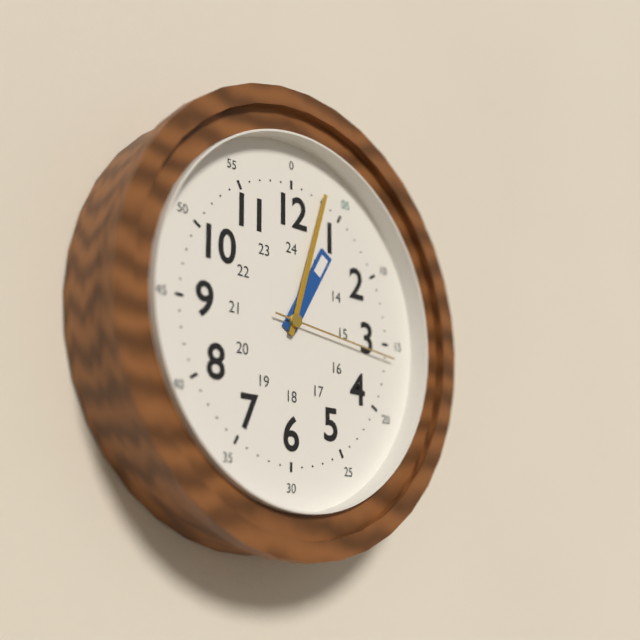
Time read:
**1:03:16**
